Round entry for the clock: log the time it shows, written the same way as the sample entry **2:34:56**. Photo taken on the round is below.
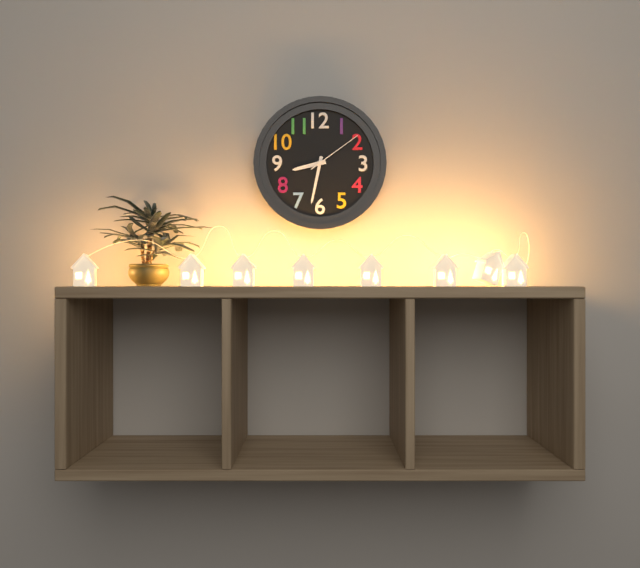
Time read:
**8:32:09**
